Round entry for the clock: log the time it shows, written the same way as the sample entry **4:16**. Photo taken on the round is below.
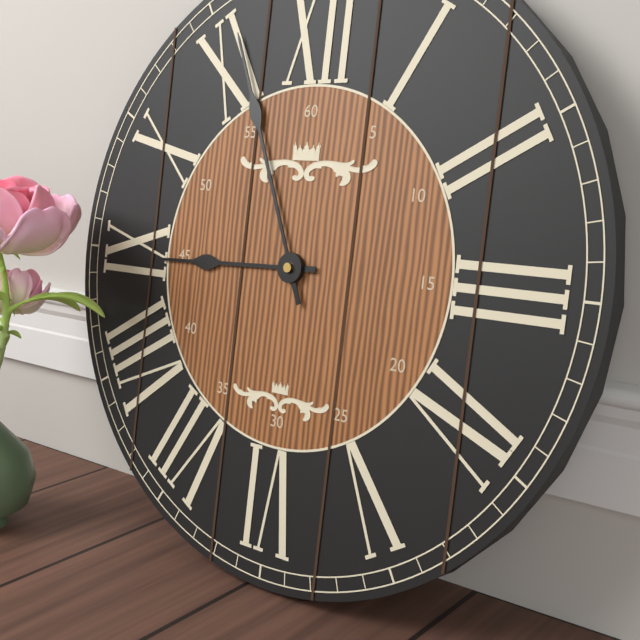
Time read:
**8:56**
